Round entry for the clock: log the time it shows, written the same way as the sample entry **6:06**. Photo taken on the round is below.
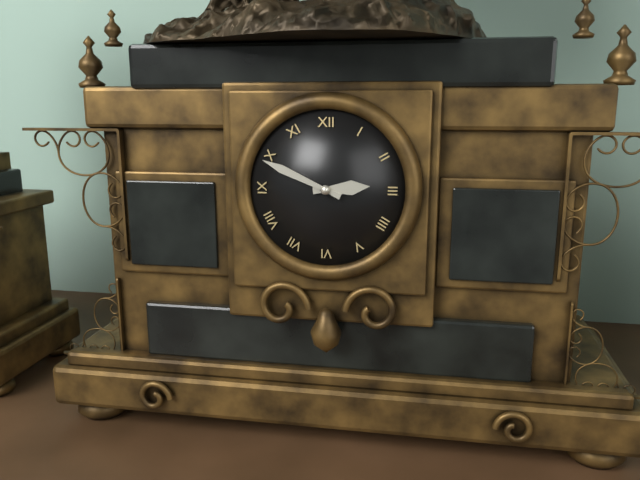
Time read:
**2:49**
